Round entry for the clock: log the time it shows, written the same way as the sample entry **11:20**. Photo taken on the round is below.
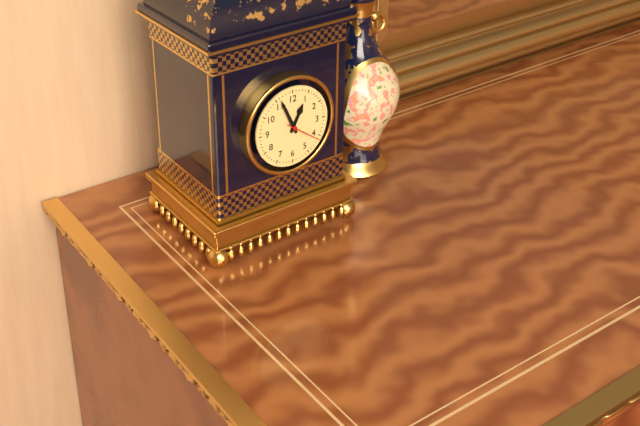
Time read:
**12:56**
